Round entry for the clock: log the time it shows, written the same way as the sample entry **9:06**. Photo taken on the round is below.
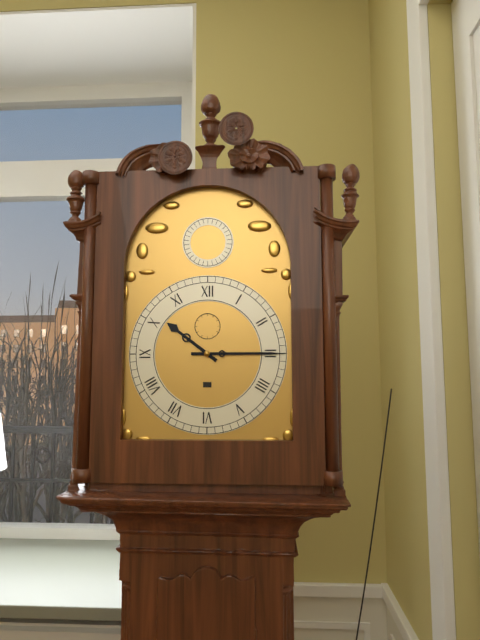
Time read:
**10:15**
